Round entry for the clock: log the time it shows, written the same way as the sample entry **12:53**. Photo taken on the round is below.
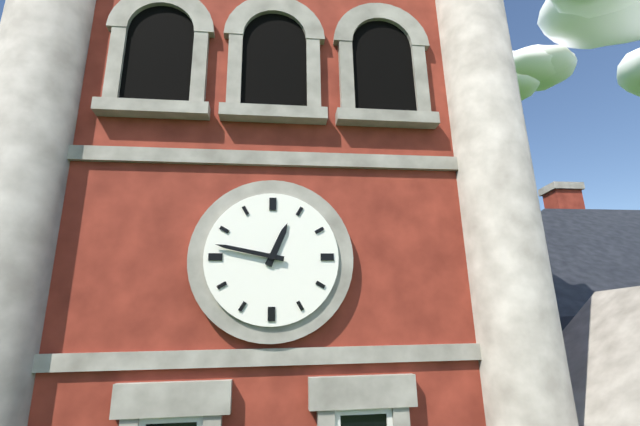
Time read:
**12:47**
